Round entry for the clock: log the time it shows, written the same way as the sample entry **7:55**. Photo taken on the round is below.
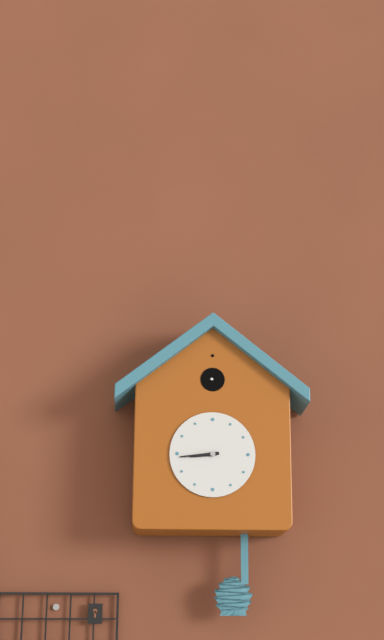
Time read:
**8:44**
